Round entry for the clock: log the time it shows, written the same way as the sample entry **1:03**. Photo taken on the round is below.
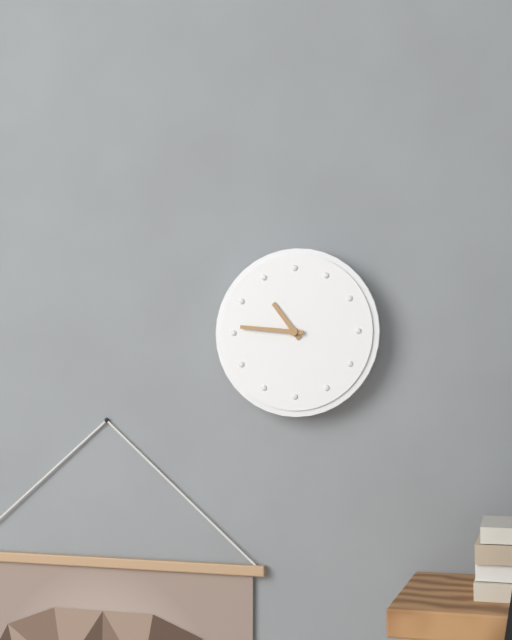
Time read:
**10:46**
